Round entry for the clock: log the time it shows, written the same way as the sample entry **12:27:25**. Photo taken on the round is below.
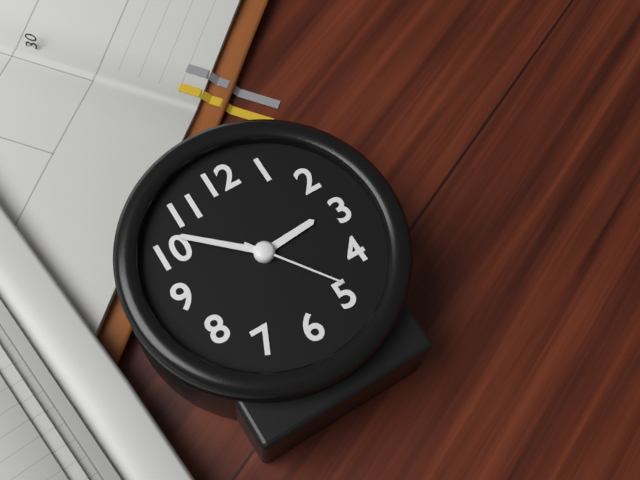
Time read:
**2:52:24**
